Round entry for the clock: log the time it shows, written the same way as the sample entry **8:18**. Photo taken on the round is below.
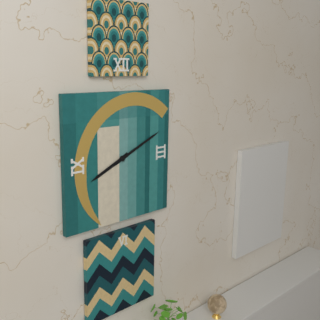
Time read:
**8:11**
